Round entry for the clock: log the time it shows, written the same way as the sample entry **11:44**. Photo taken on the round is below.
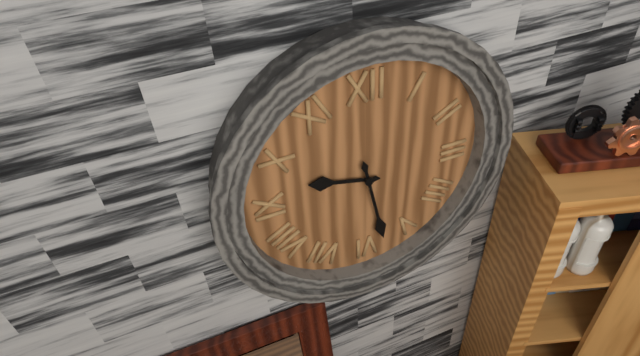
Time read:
**9:28**
